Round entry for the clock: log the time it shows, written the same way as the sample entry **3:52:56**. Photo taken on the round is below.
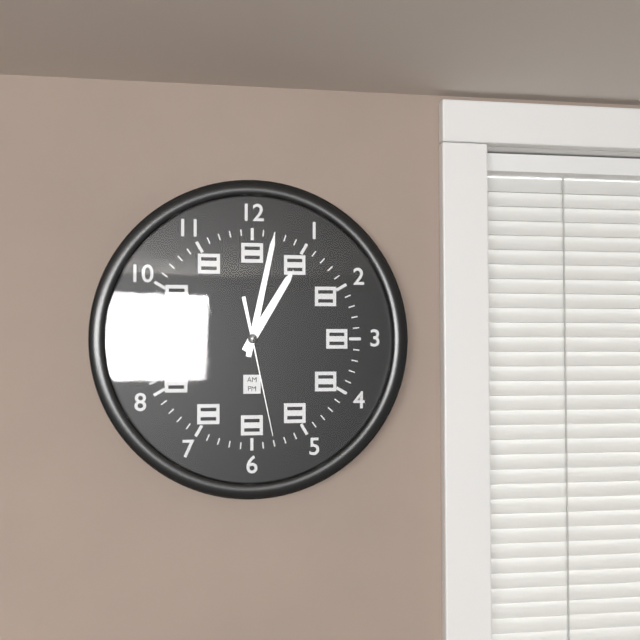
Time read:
**1:02:28**
